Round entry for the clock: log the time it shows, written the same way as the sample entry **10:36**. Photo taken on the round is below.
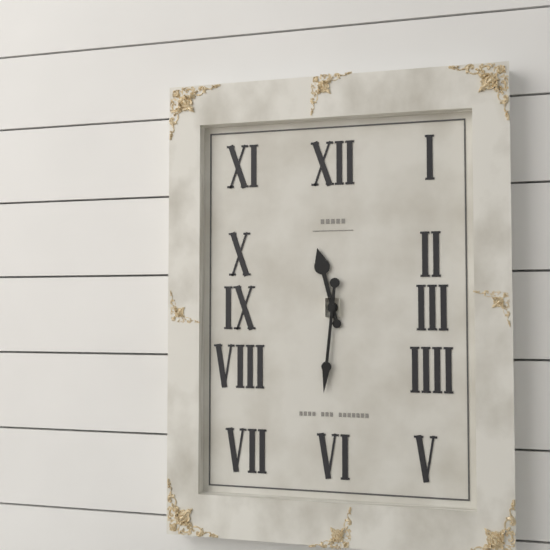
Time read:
**11:31**
